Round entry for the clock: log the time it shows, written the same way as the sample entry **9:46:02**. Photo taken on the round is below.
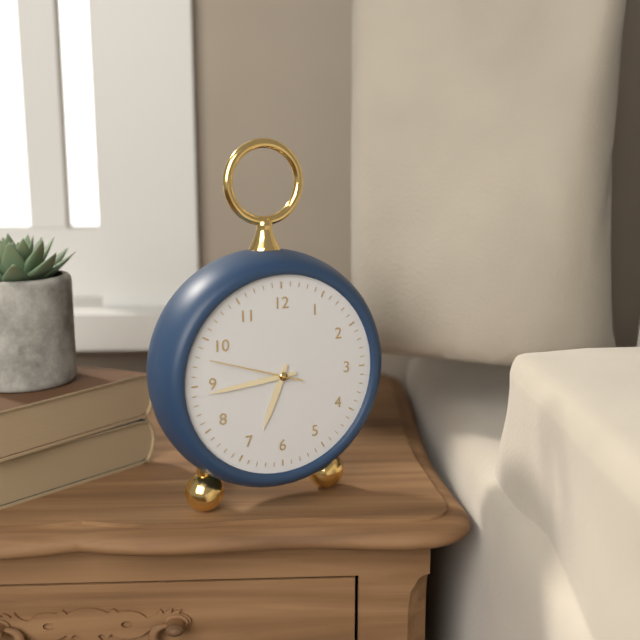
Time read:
**6:44:48**
